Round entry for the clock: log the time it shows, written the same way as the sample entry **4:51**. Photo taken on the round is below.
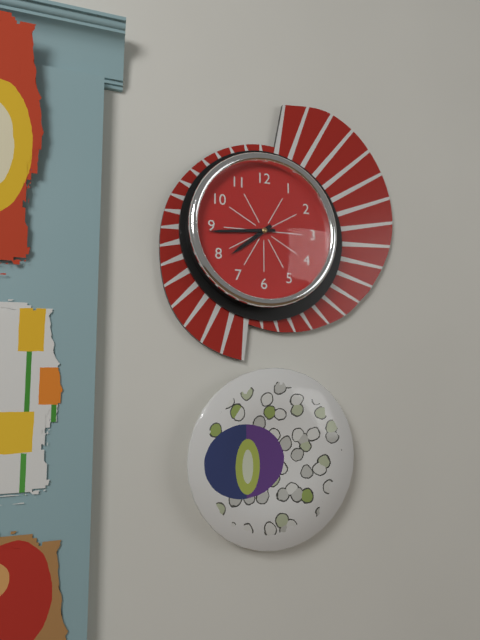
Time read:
**7:44**
